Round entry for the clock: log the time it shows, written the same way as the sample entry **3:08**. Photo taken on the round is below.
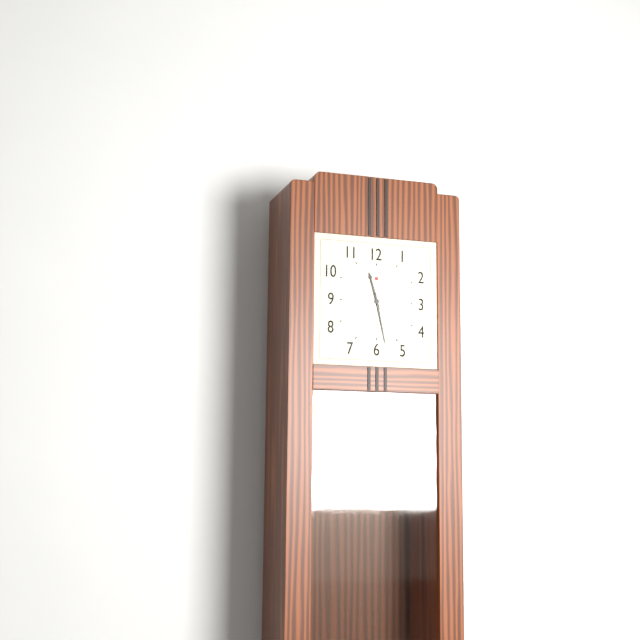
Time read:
**11:28**
